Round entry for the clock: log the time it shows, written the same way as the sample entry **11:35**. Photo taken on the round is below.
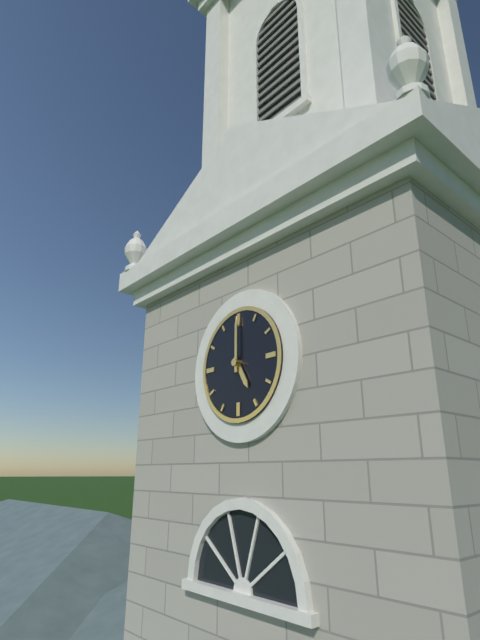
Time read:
**5:00**
